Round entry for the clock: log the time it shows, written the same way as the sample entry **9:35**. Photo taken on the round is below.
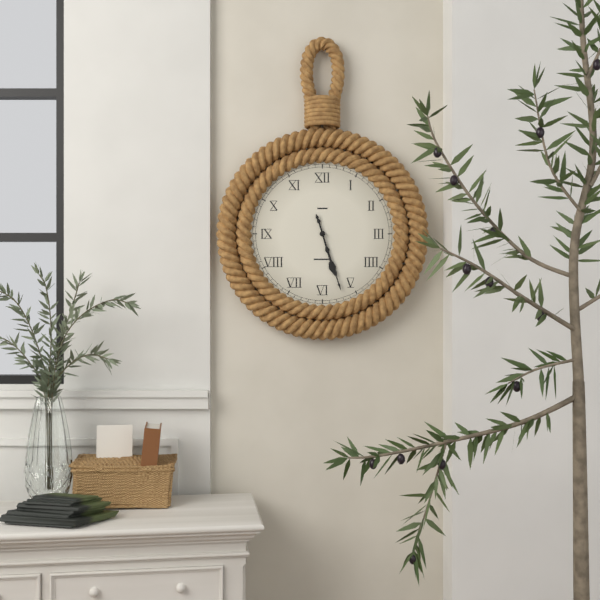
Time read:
**5:27**
